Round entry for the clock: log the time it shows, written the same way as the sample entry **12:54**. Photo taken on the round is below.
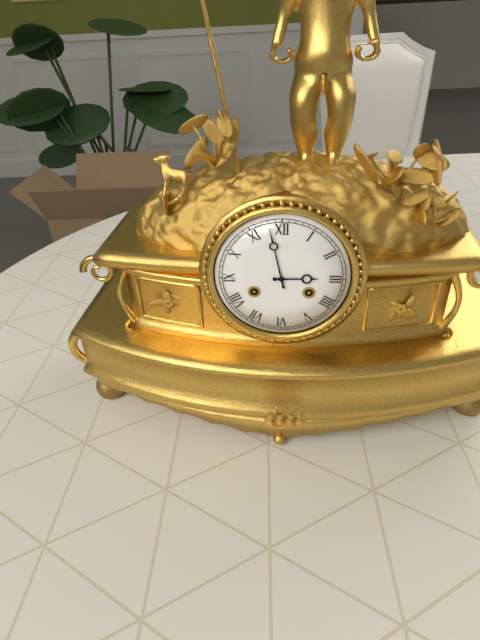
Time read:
**2:58**
